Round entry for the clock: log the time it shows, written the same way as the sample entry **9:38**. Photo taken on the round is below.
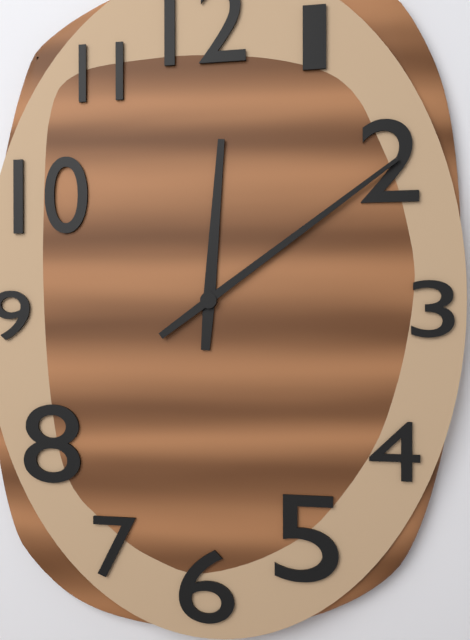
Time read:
**12:09**
